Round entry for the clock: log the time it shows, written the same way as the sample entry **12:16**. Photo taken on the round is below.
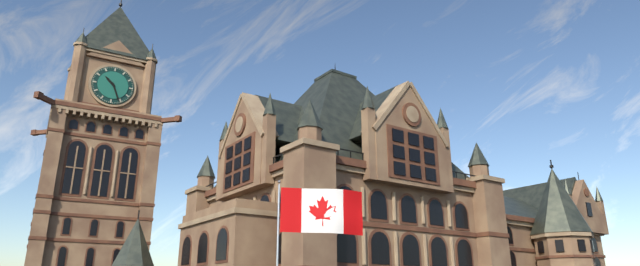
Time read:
**10:26**
